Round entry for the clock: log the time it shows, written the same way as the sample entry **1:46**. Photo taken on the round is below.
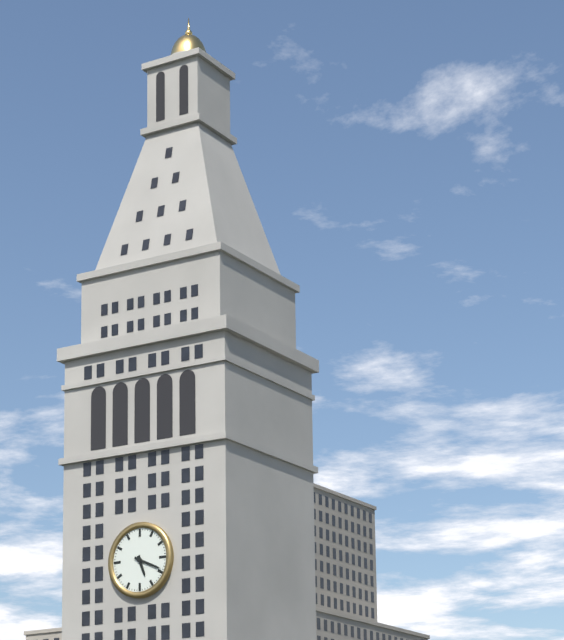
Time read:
**5:19**
